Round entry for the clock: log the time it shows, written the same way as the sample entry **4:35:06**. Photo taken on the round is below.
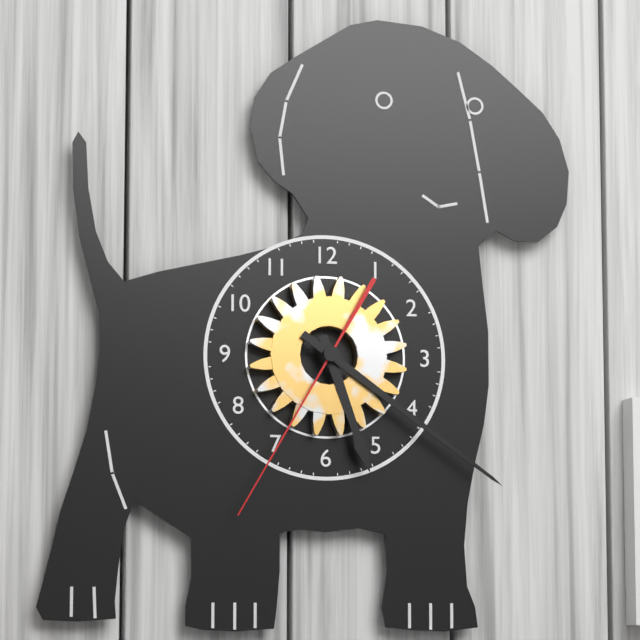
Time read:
**5:21:35**
